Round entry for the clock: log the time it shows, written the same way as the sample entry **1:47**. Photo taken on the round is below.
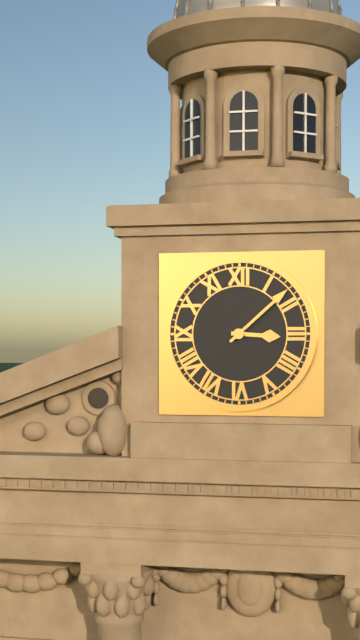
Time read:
**3:08**
